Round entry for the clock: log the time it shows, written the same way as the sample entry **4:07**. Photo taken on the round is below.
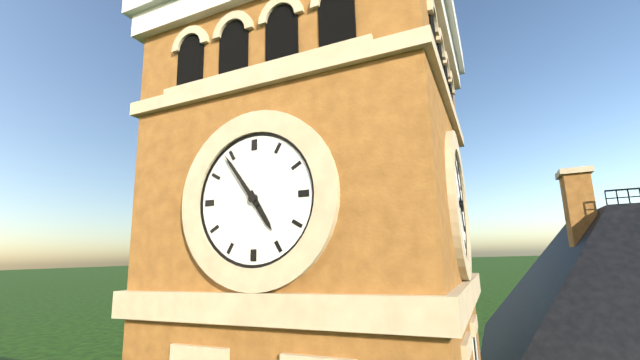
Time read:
**4:54**
